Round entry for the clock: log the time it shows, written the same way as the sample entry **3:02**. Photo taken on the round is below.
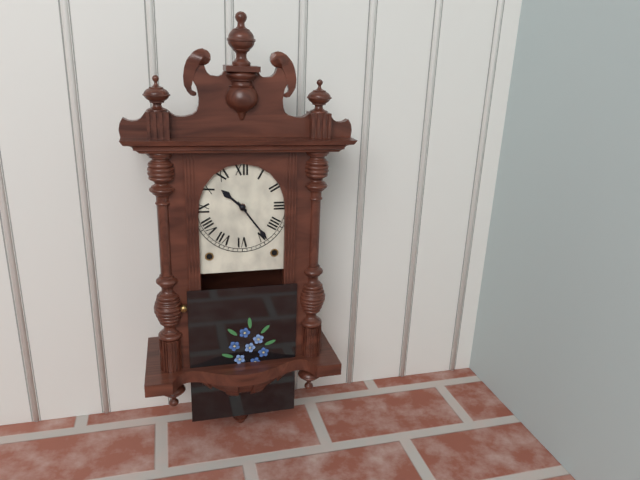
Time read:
**10:24**
